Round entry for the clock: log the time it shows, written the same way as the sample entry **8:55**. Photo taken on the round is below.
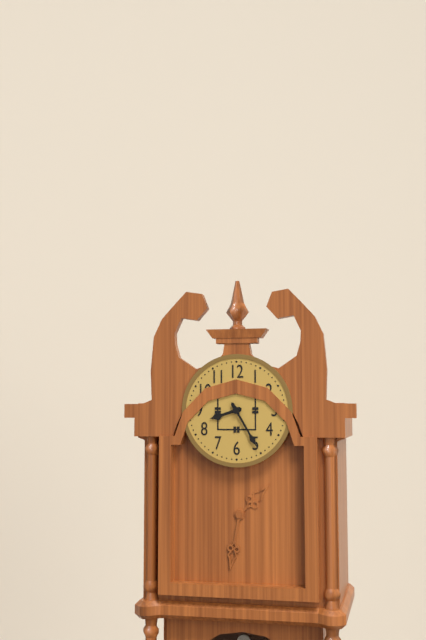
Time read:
**8:25**
